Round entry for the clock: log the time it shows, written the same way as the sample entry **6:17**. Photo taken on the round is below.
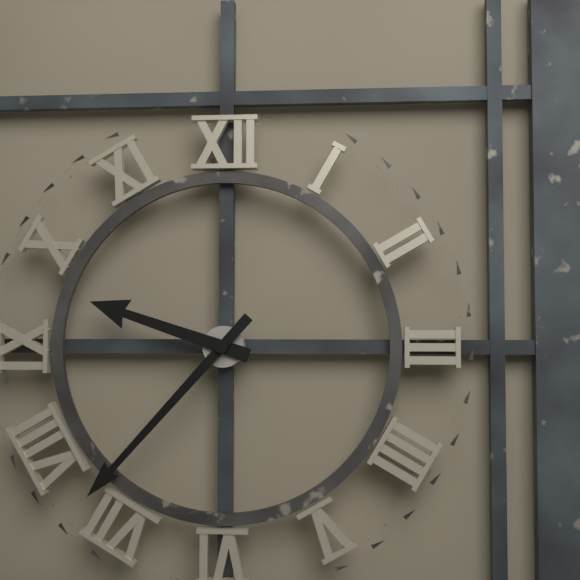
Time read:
**9:37**
